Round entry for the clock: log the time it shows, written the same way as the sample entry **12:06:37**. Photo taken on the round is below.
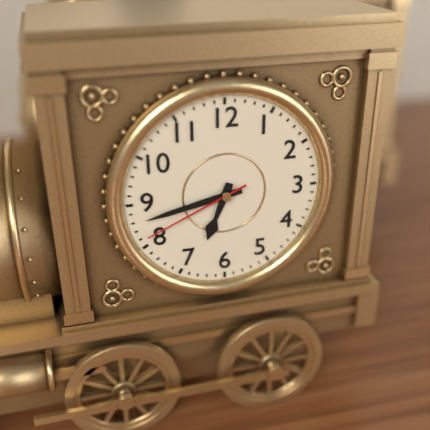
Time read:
**6:43:41**
